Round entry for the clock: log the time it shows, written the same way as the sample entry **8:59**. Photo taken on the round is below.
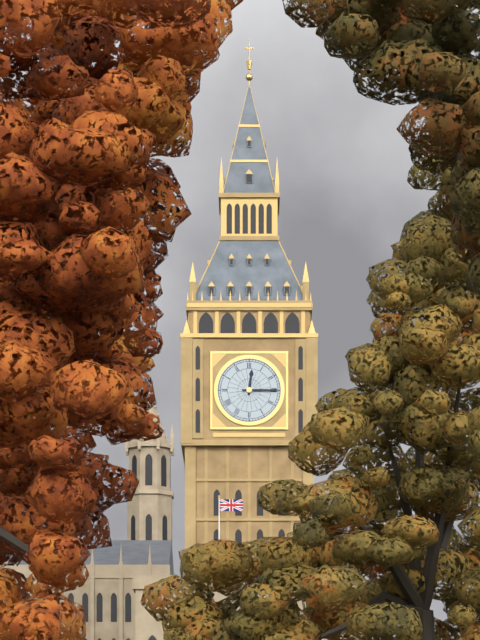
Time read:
**12:15**
